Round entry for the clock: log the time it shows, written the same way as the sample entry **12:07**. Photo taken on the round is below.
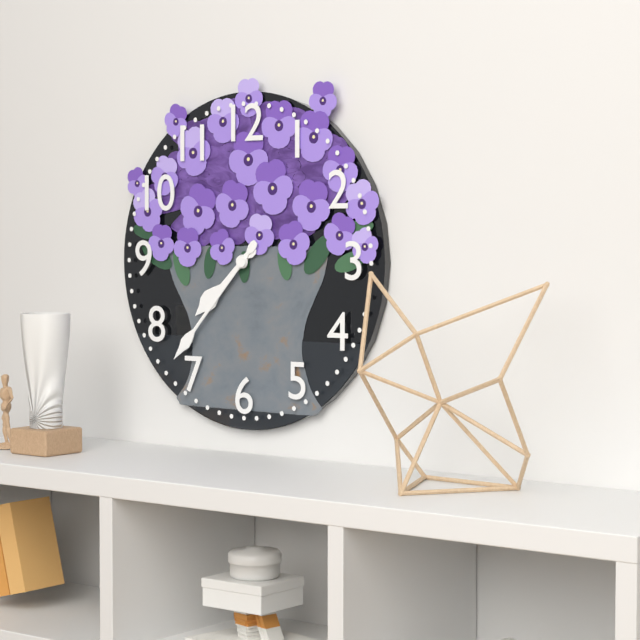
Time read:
**7:37**
